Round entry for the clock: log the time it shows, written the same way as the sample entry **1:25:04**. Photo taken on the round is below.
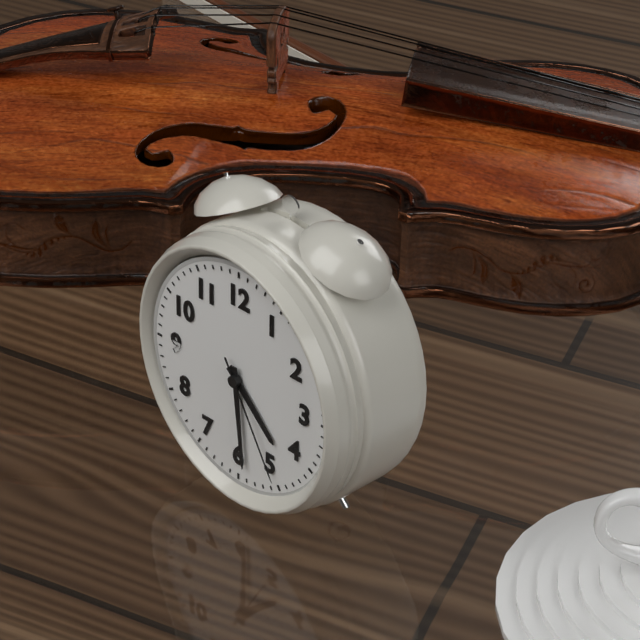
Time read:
**4:29:25**
